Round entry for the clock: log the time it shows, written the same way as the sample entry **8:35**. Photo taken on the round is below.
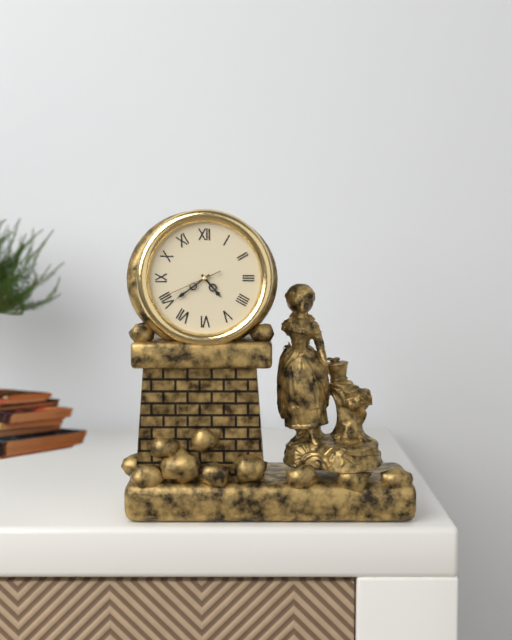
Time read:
**4:39**
